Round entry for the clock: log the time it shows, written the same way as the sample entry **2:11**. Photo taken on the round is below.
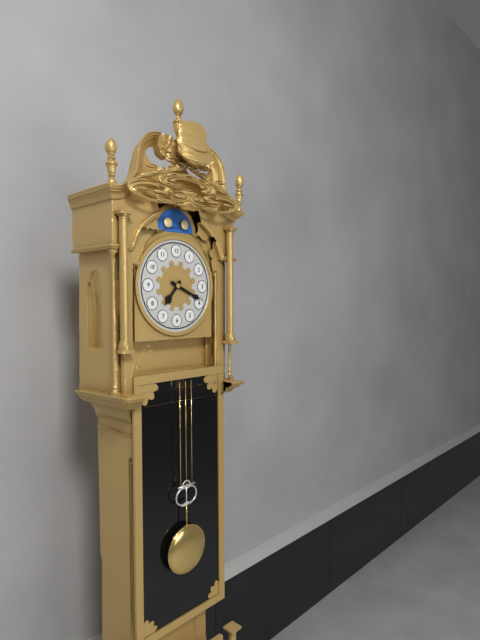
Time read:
**7:19**
